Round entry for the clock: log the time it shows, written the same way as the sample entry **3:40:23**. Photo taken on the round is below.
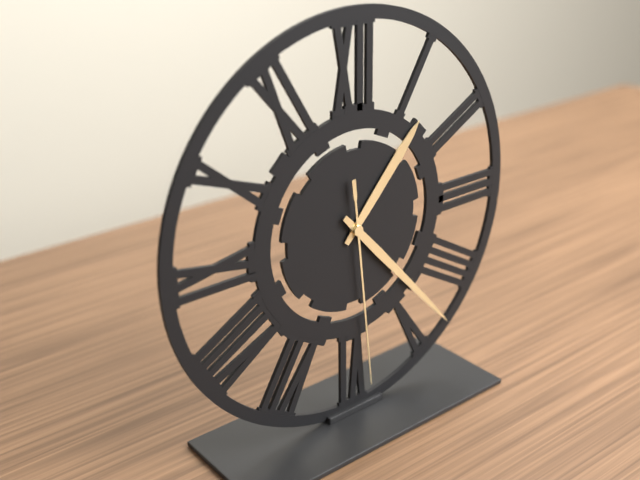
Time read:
**1:23:29**
